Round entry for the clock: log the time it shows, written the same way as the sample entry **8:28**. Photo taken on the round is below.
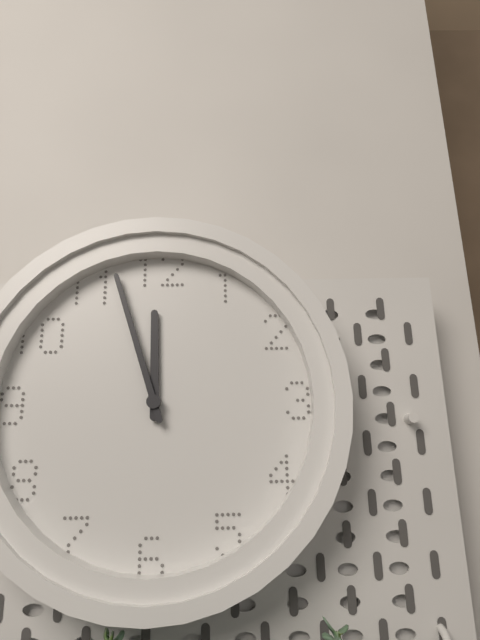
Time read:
**11:57**
